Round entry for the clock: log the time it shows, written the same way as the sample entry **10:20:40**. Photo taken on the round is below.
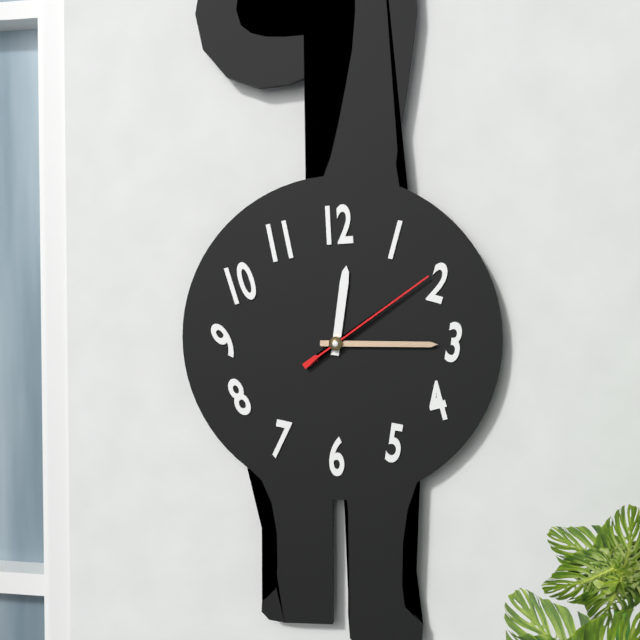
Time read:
**12:15:09**
